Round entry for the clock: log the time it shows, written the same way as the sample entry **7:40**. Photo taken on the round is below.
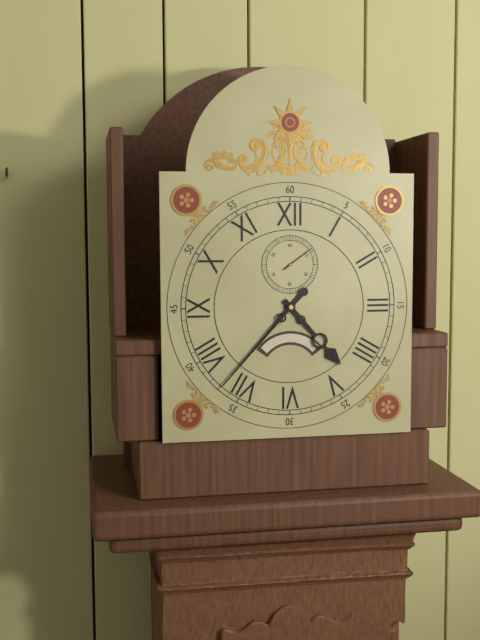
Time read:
**4:37**
